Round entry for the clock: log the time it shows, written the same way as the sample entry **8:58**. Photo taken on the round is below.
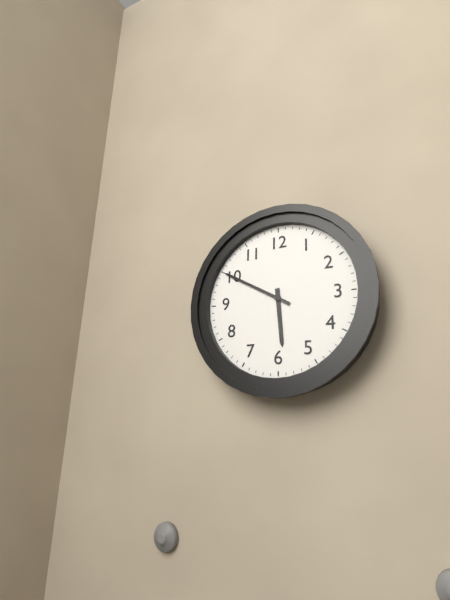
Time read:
**5:50**
